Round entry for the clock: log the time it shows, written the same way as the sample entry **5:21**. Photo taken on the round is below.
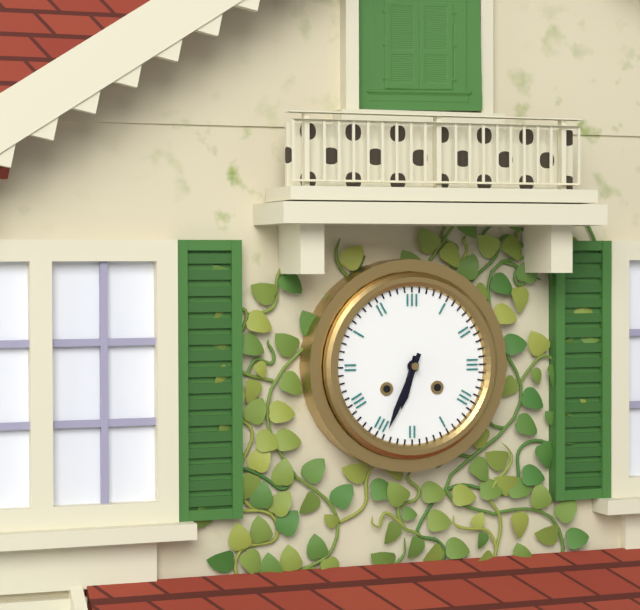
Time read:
**6:34**
